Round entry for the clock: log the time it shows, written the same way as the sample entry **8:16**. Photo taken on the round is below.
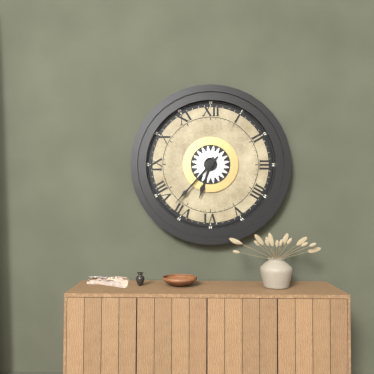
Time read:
**6:37**
